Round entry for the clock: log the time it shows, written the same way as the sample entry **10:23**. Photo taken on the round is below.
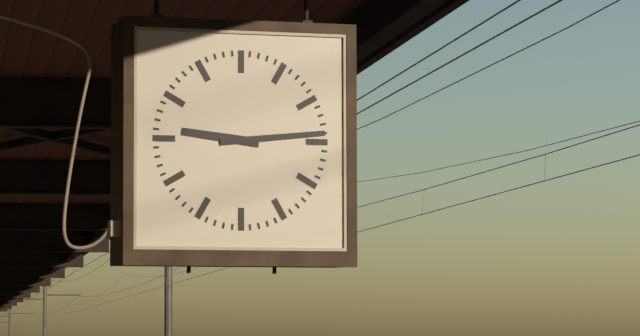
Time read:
**9:14**
